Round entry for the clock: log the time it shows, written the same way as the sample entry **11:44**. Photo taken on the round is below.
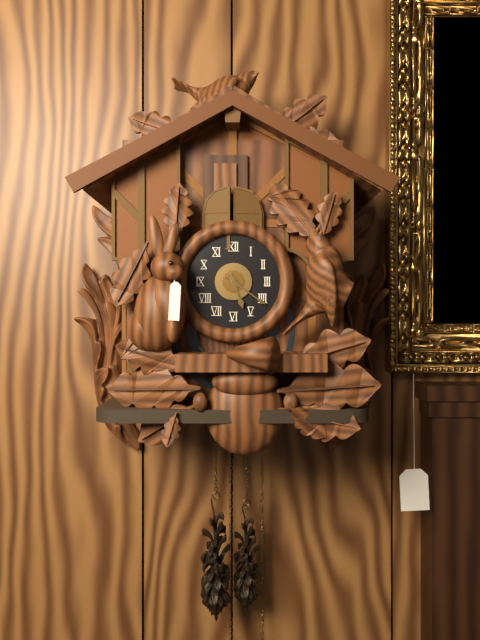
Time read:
**5:21**
